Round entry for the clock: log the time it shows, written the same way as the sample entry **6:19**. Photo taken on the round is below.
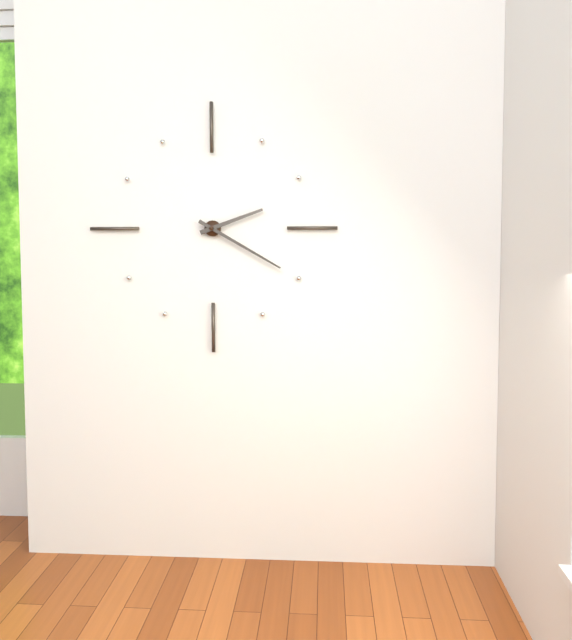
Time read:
**2:20**
